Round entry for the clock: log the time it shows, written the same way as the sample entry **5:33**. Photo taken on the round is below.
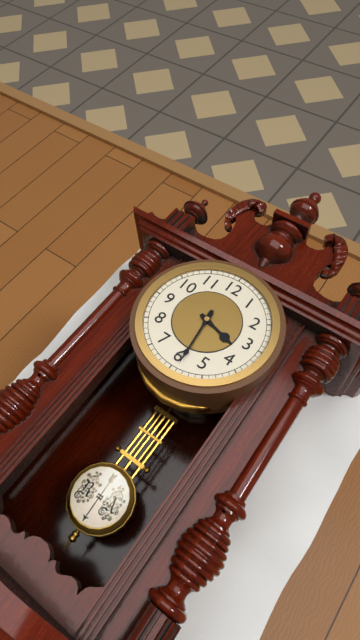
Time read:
**3:29**
